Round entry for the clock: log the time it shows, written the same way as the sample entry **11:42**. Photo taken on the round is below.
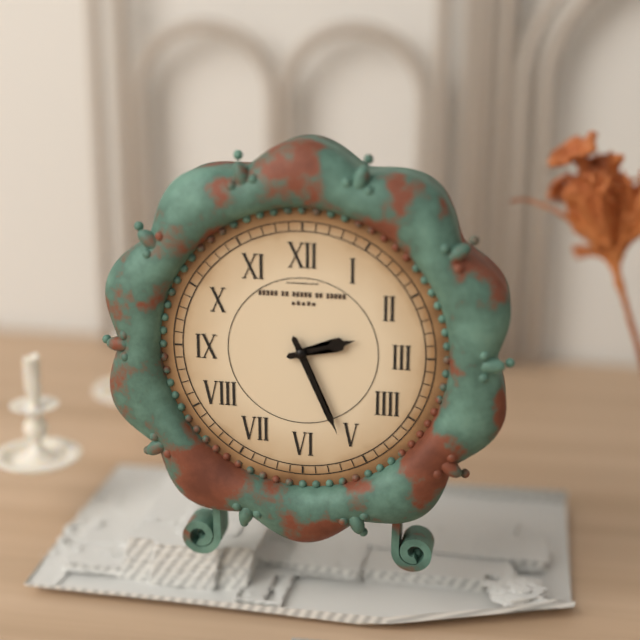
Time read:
**2:26**
